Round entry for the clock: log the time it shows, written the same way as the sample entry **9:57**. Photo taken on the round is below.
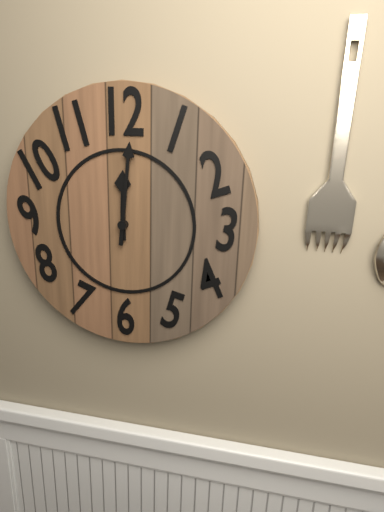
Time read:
**12:01**
